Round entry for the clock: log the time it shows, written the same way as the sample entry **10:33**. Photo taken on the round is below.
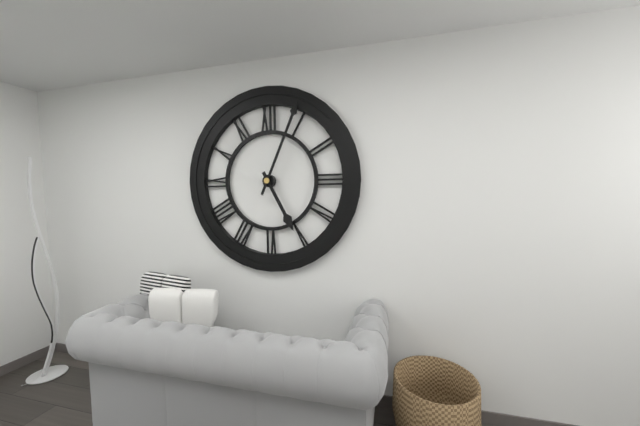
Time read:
**5:04**
